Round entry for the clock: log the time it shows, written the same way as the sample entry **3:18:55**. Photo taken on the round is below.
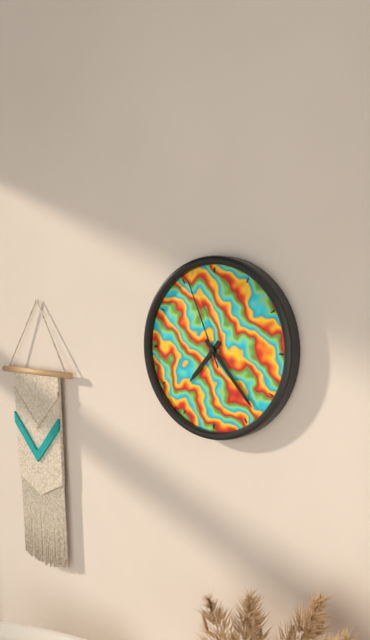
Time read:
**7:23:56**
